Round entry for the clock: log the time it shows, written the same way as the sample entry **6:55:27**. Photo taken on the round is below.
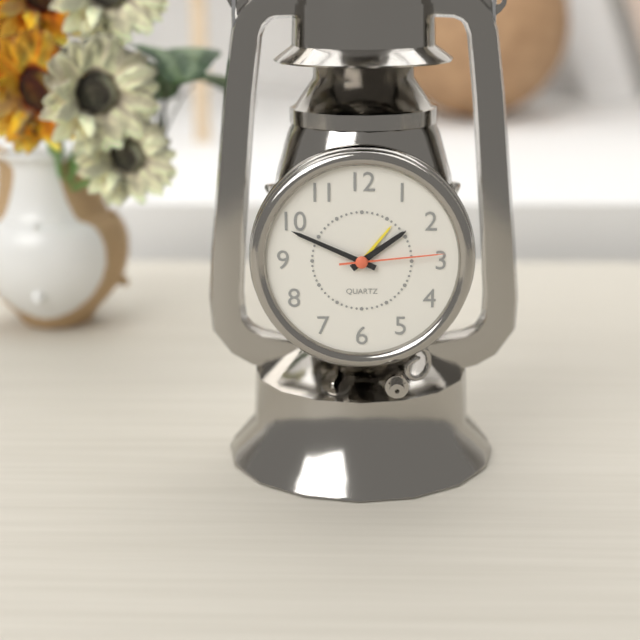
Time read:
**1:49:14**
